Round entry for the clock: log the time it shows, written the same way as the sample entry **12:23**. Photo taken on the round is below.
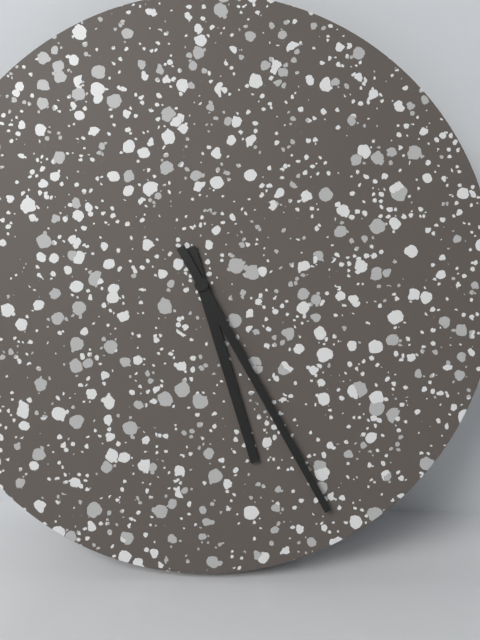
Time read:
**5:25**
